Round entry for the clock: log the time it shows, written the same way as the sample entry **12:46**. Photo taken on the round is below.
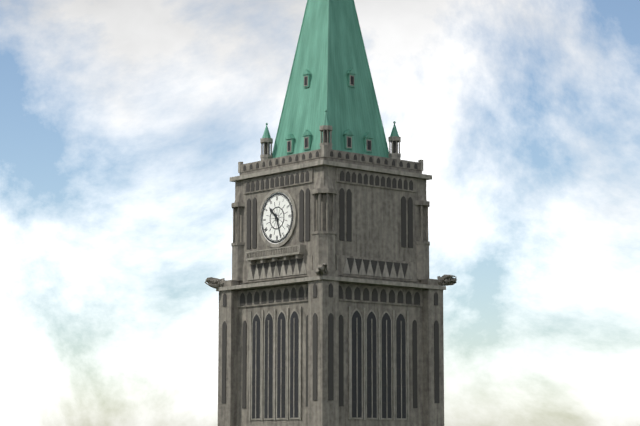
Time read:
**10:27**
